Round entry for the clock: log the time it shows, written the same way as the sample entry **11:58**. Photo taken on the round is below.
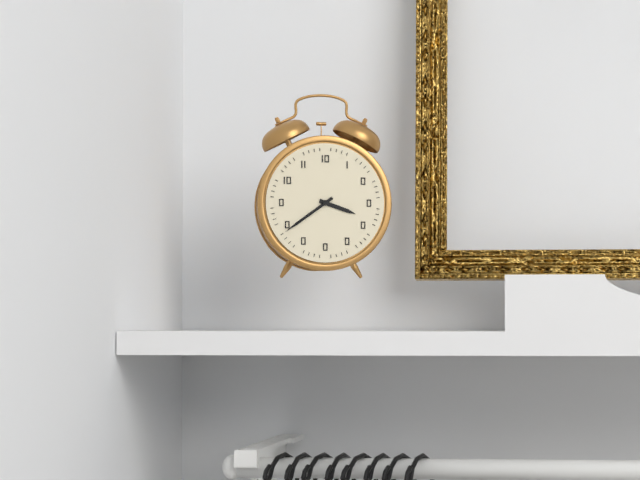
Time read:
**3:39**
